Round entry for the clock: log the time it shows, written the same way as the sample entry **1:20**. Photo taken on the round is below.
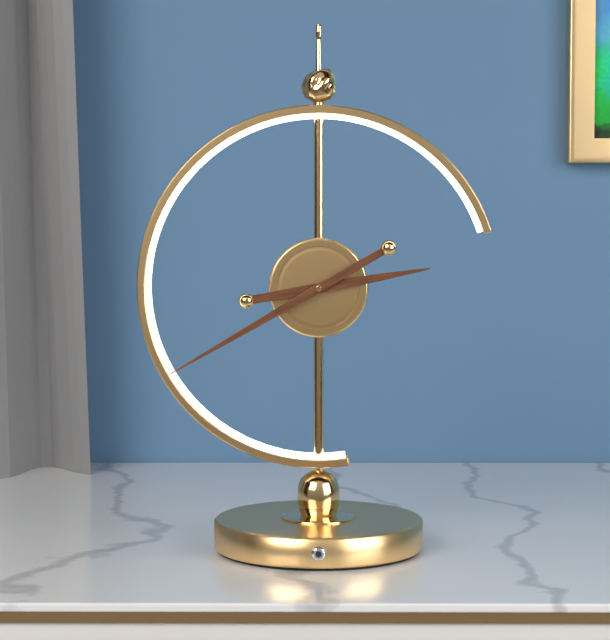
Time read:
**2:40**
